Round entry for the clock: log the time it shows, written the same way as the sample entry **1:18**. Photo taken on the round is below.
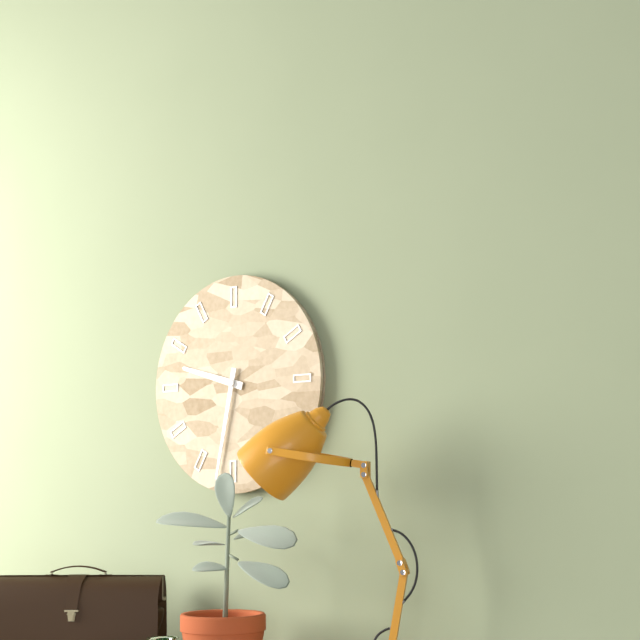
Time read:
**9:32**
